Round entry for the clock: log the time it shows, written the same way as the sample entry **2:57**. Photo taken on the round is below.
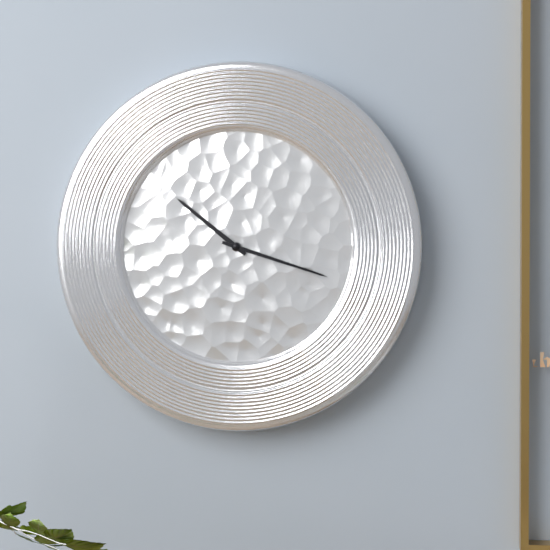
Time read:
**10:18**
